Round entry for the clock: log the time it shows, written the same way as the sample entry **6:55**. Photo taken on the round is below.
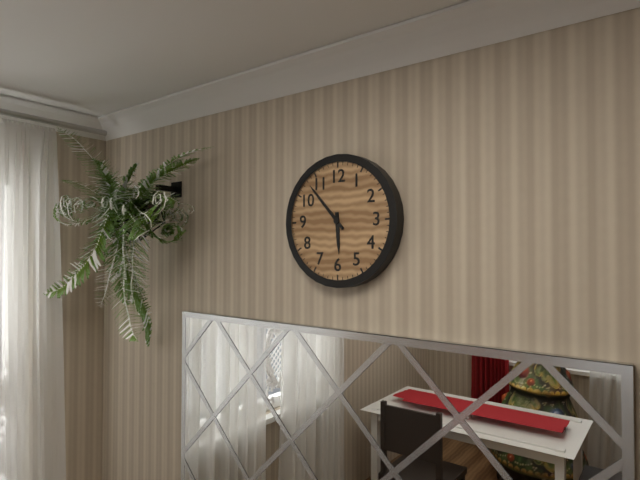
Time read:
**5:53**
